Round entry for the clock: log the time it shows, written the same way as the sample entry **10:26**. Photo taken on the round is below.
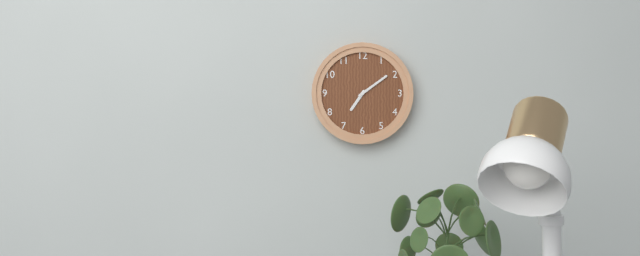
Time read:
**7:09**
